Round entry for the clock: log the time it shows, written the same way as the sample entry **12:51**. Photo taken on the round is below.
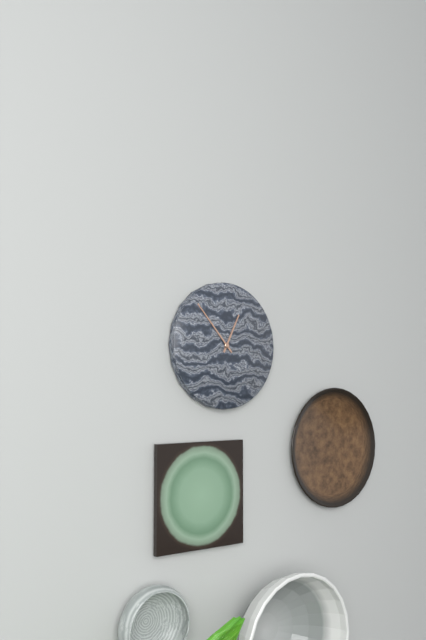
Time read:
**12:53**
